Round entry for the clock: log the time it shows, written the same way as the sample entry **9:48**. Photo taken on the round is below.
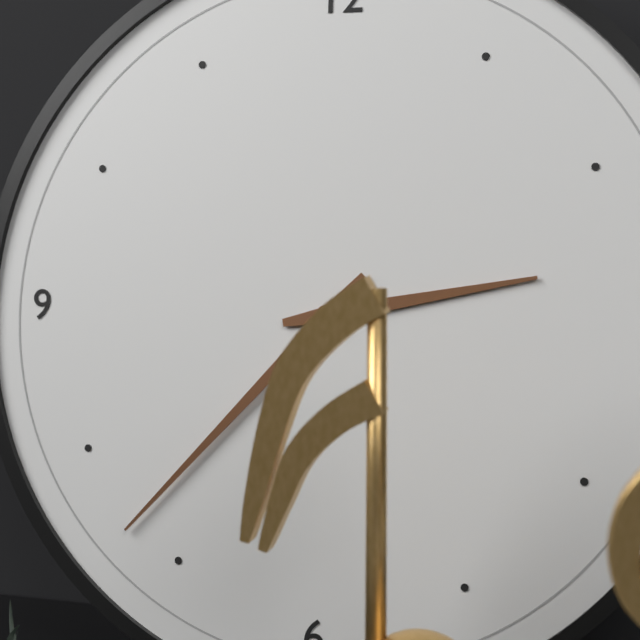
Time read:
**2:37**
